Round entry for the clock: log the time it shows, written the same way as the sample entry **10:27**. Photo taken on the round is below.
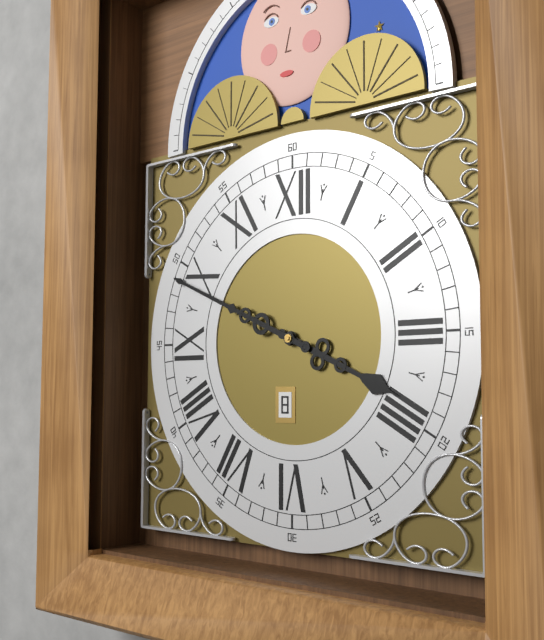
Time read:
**3:49**
